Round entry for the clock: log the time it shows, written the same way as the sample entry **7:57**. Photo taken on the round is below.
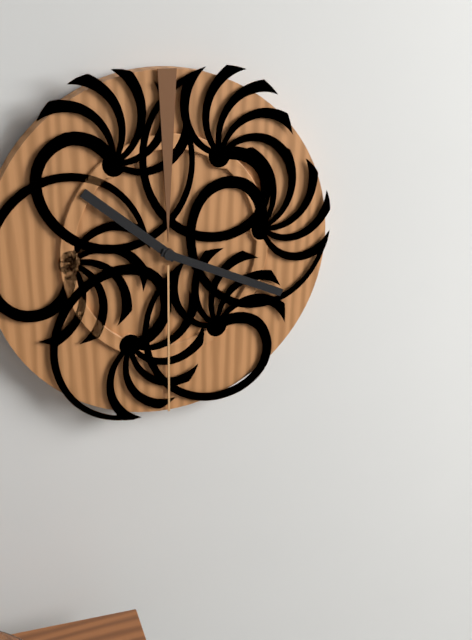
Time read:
**10:19**
